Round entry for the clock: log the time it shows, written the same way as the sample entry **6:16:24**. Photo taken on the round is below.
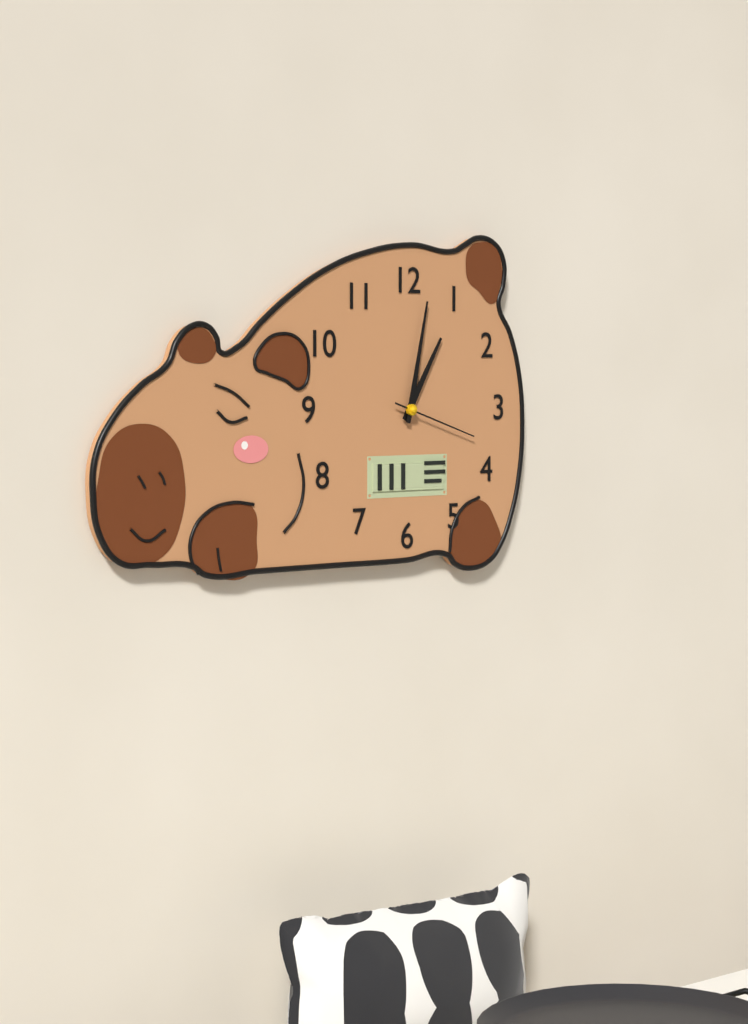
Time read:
**1:02:18**
